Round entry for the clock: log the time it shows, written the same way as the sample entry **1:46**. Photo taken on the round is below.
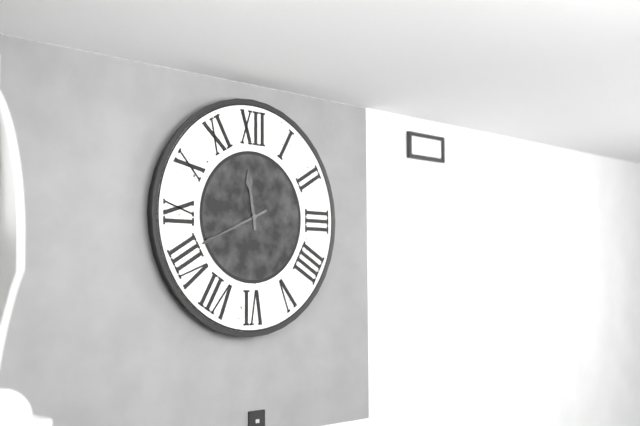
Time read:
**11:41**
